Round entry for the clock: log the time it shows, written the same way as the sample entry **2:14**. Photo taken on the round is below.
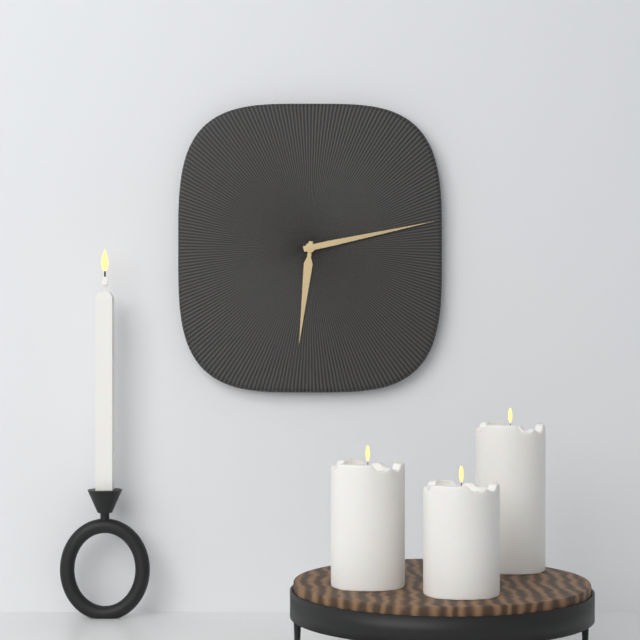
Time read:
**6:13**
